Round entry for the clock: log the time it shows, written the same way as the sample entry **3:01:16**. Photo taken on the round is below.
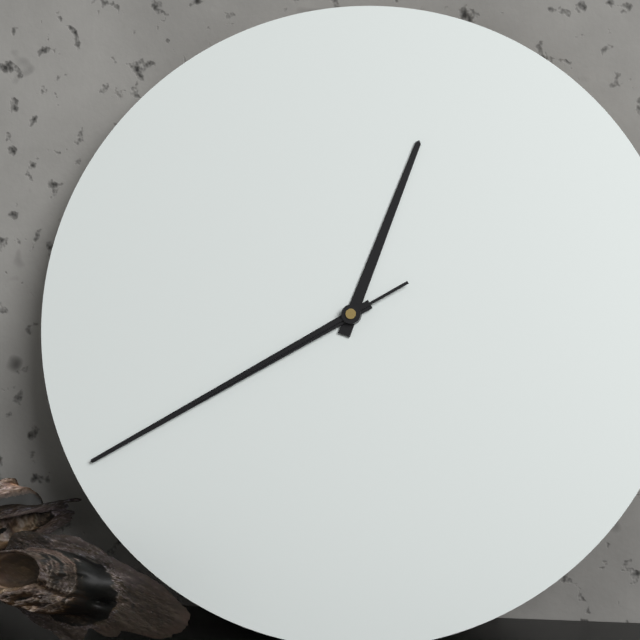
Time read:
**12:40:40**
